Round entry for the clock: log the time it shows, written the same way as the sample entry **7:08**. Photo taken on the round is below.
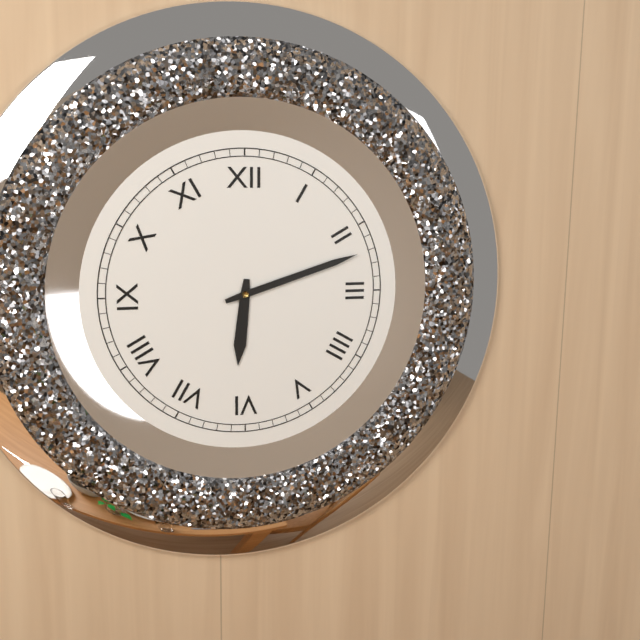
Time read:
**6:12**
